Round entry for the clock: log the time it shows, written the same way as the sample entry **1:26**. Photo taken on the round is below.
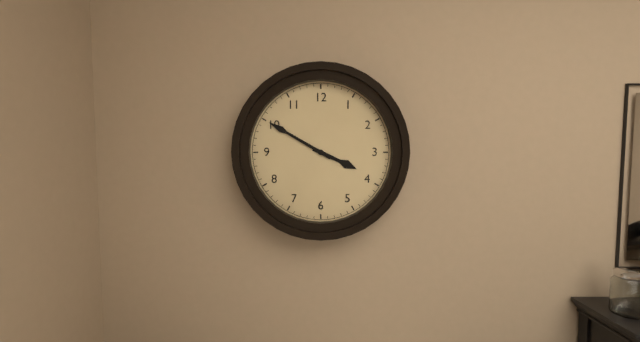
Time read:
**3:50**
